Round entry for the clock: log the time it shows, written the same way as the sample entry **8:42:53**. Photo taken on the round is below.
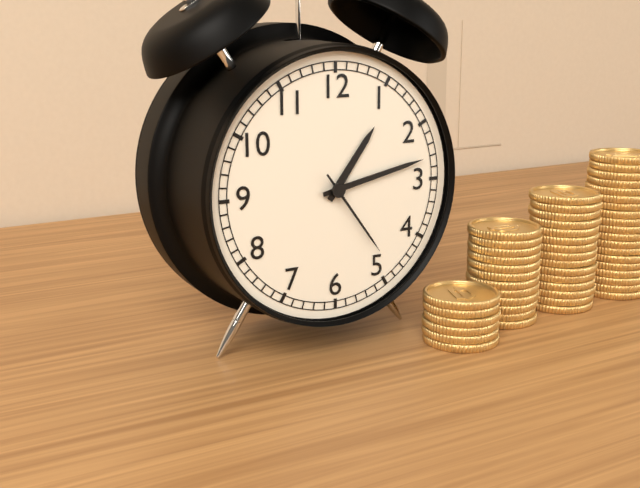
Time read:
**1:13:24**
